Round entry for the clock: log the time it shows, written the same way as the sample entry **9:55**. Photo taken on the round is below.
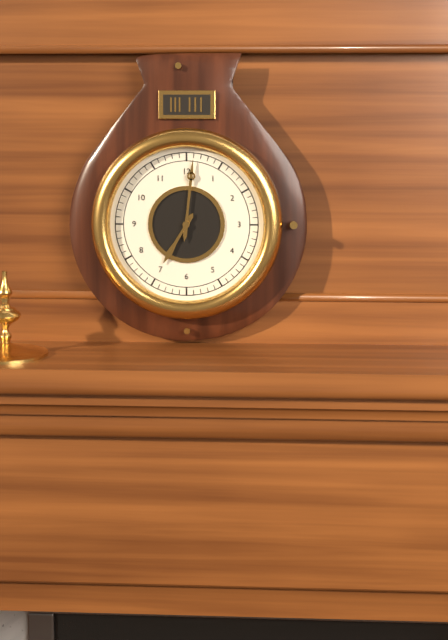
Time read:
**7:01**
